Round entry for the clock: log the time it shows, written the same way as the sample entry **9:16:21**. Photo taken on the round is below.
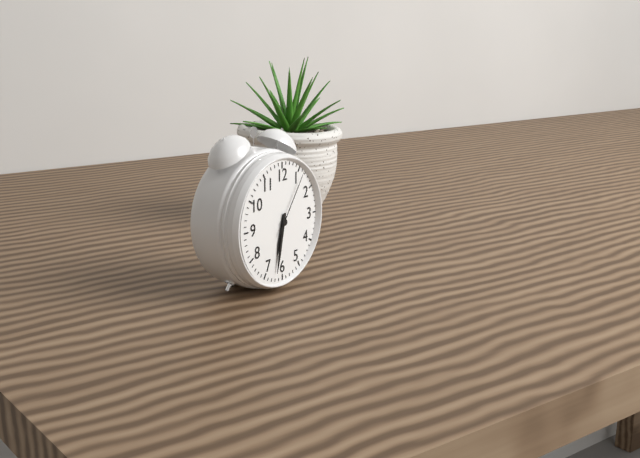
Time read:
**6:32:06**
